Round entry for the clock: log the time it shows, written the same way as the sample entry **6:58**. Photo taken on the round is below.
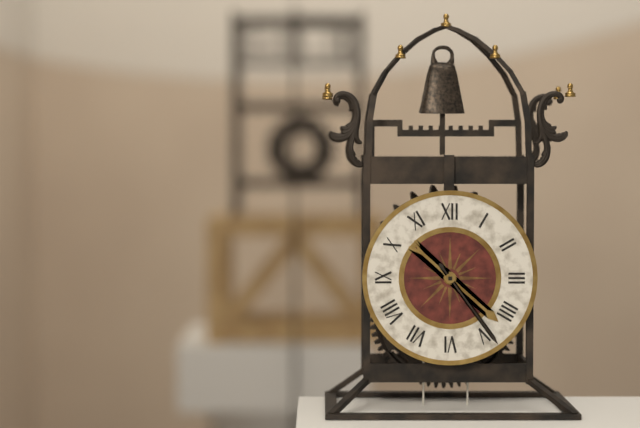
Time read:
**4:24**
